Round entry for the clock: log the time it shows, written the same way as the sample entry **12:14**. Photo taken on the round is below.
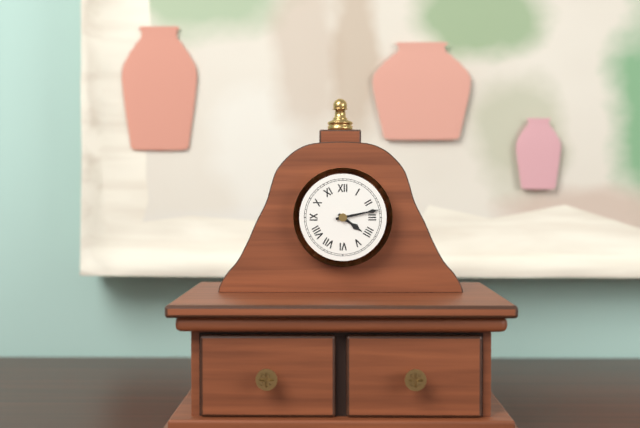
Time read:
**4:13**
